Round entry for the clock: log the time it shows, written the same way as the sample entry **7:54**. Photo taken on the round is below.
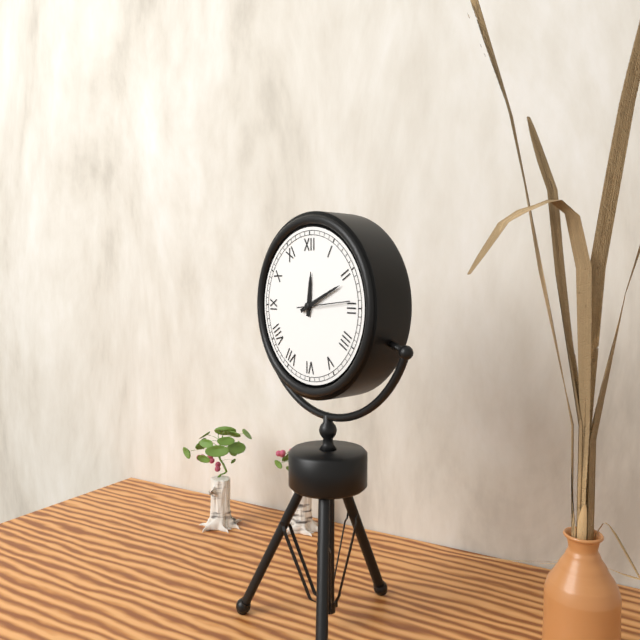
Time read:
**12:11**
